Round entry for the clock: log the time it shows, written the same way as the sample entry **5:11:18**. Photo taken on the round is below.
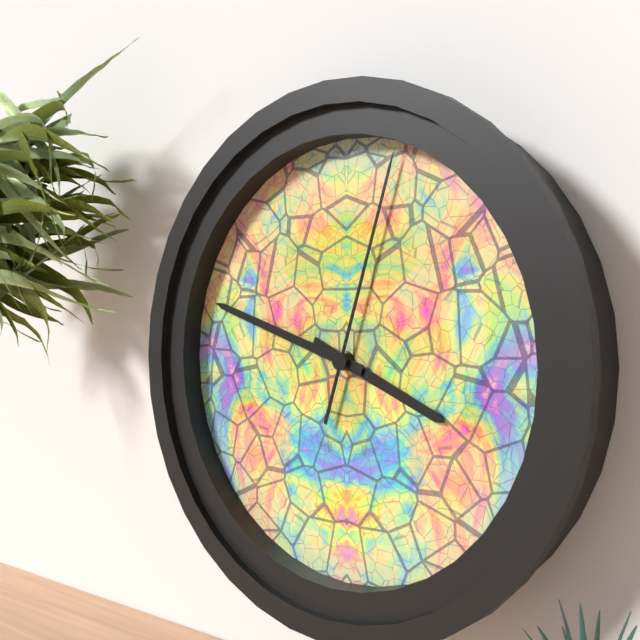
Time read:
**3:48:03**
